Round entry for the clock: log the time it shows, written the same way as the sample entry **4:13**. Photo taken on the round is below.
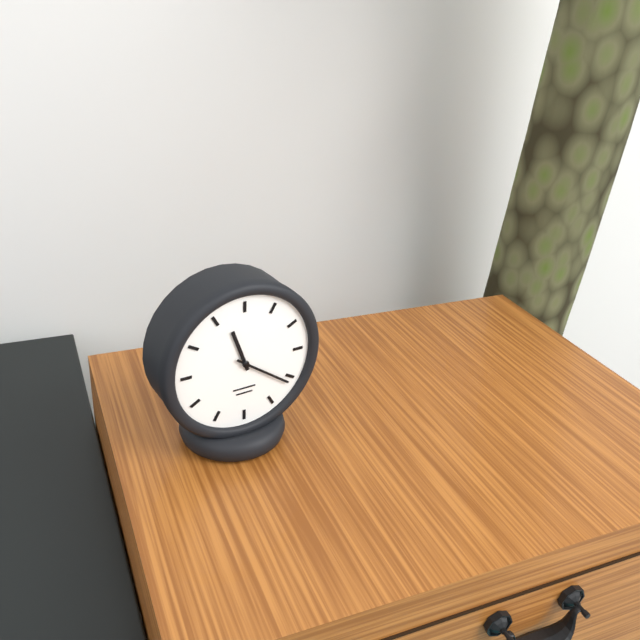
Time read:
**11:21**
